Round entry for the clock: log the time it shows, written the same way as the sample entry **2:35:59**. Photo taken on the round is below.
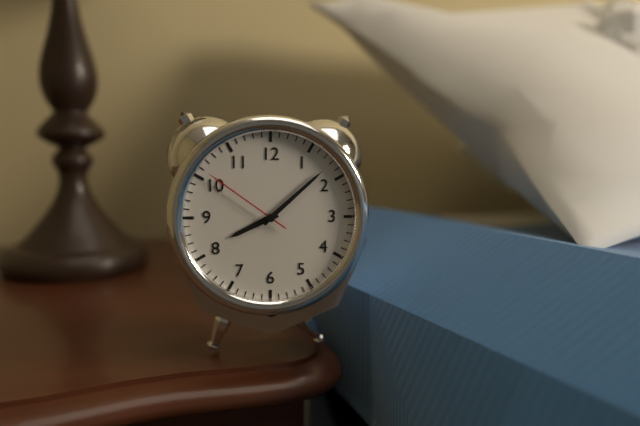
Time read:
**8:08:51**
